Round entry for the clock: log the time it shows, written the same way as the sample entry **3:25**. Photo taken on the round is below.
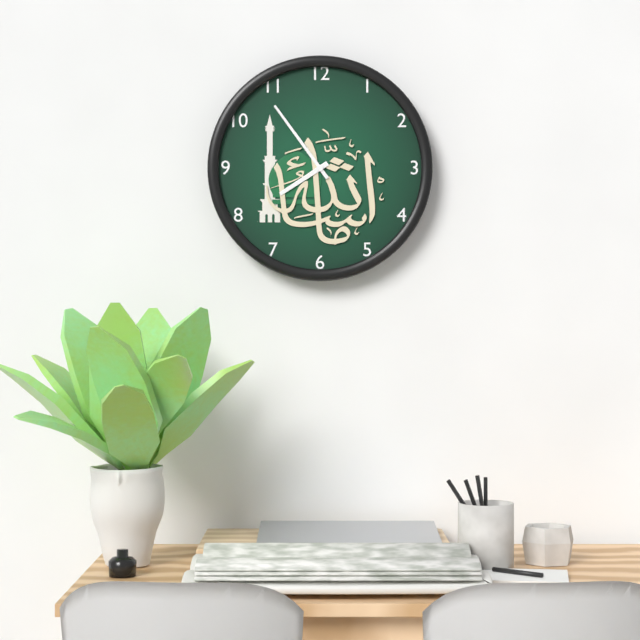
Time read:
**7:54**
